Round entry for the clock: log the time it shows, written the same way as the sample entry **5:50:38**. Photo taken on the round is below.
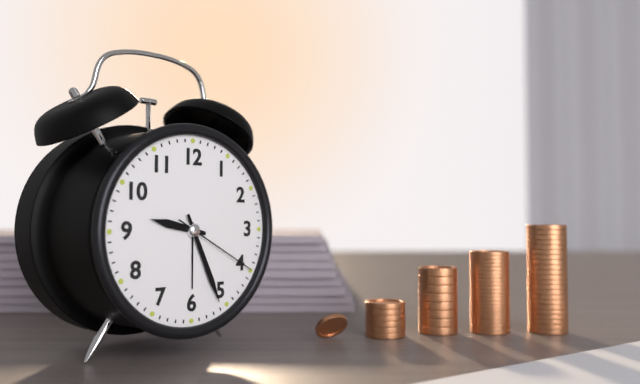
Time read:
**9:26:20**
